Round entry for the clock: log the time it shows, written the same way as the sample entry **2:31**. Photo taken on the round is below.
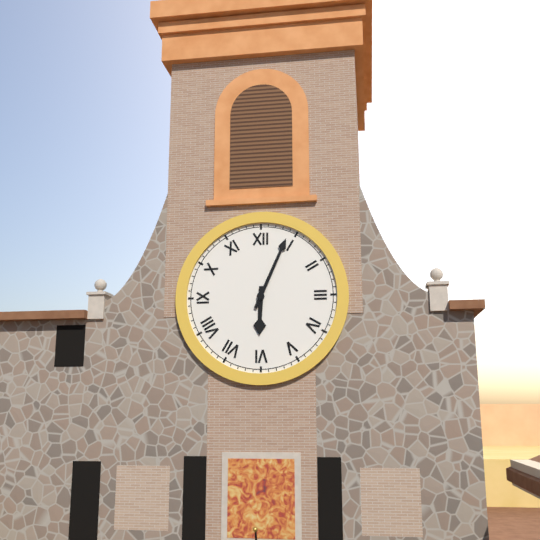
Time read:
**6:04**
